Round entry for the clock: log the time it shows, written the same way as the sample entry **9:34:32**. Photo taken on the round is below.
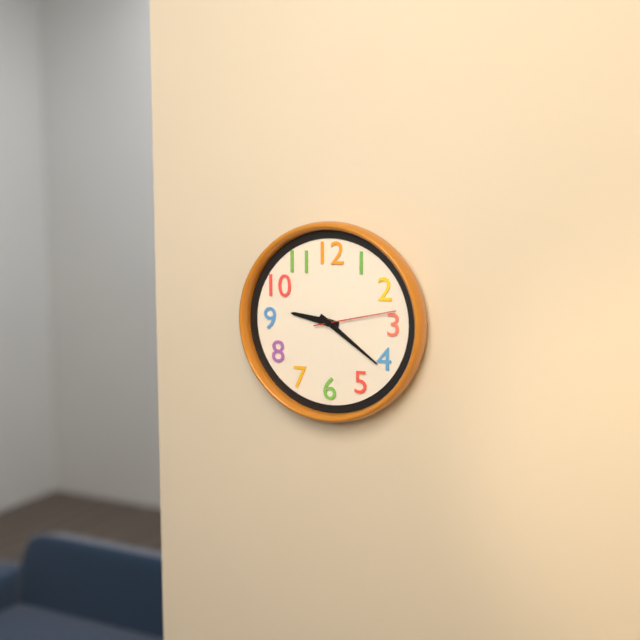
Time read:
**9:21:13**
